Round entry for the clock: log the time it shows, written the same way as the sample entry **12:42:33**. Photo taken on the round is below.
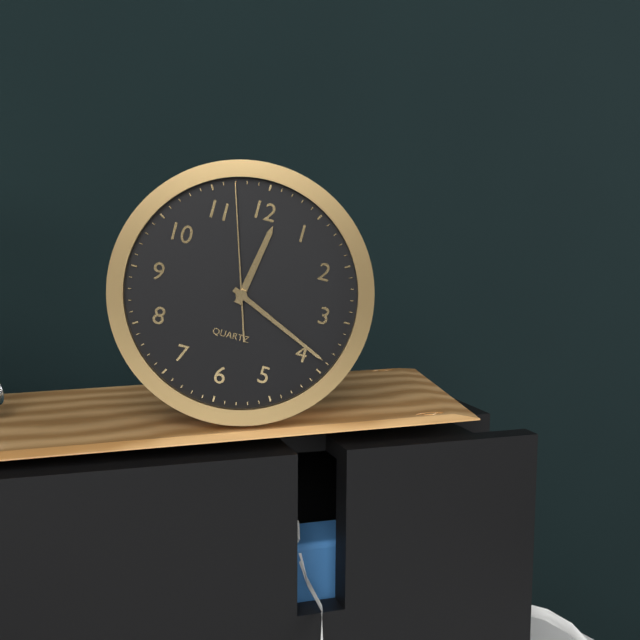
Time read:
**12:19:57**
